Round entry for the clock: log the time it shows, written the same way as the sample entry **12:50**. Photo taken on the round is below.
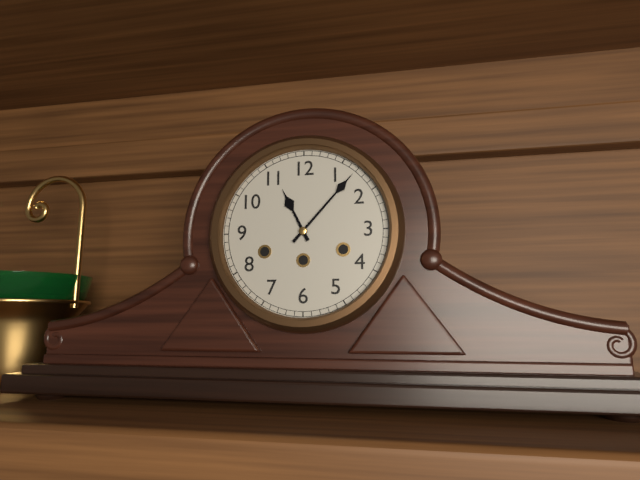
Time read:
**11:07**
